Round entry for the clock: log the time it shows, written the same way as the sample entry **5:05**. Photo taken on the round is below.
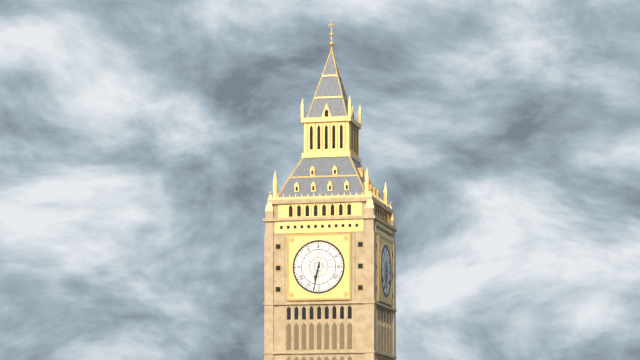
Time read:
**6:32**
